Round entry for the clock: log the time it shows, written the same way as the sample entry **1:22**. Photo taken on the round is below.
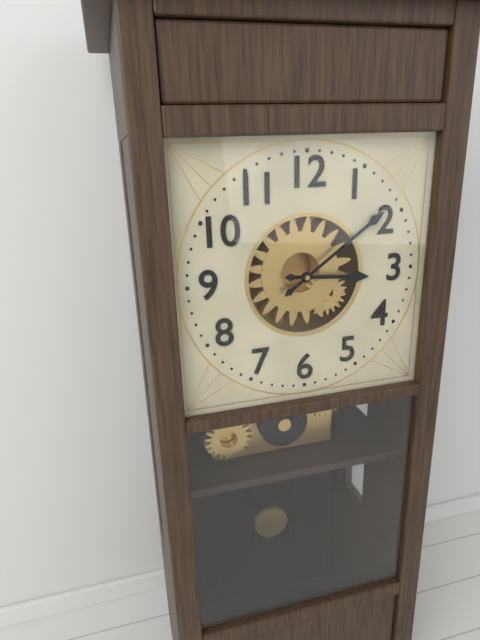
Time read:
**3:09**
